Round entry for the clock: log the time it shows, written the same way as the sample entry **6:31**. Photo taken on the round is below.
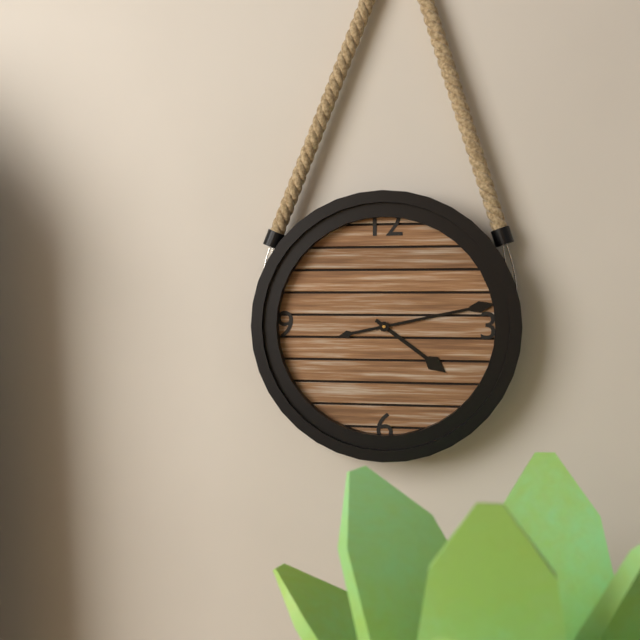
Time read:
**4:13**
